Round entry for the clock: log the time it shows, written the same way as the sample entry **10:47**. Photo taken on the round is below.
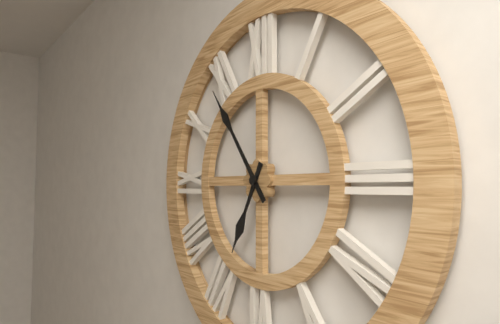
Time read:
**6:54**
